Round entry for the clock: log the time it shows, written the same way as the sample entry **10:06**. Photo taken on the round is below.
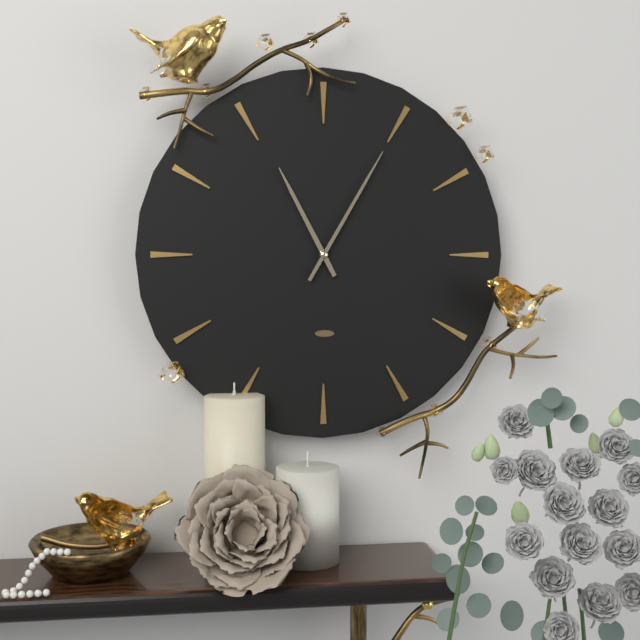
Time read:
**11:05**
